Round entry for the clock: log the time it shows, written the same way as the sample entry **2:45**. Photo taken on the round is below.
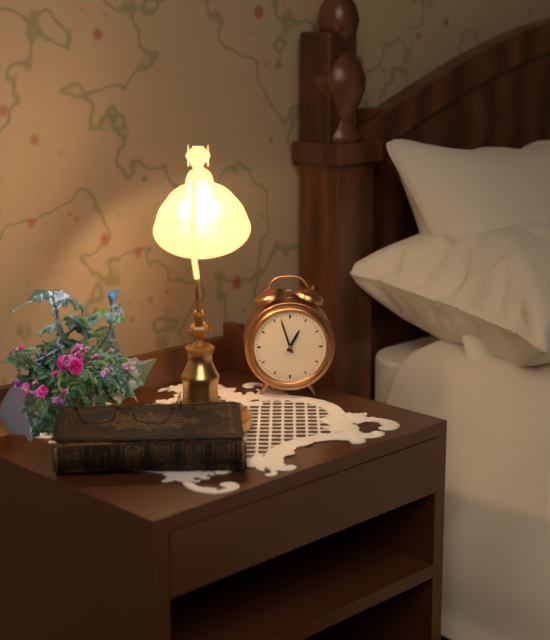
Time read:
**12:57**
